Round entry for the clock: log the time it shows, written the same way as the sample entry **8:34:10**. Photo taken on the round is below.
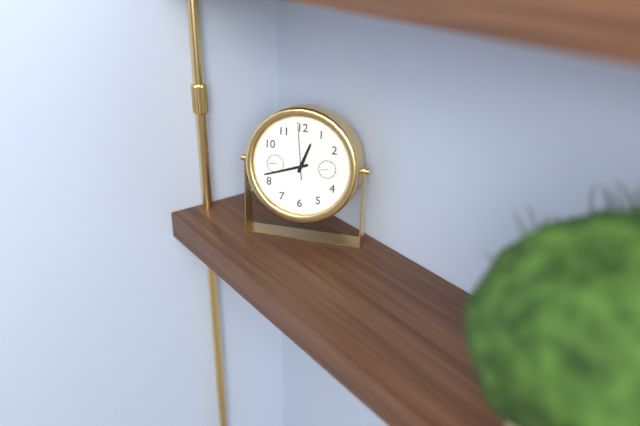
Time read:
**12:42:59**
